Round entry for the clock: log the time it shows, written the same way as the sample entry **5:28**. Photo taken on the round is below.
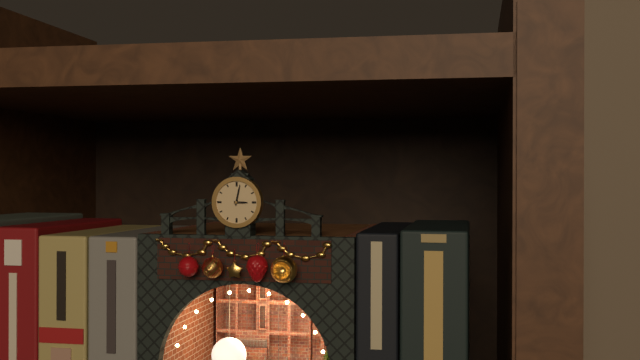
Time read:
**3:02**
